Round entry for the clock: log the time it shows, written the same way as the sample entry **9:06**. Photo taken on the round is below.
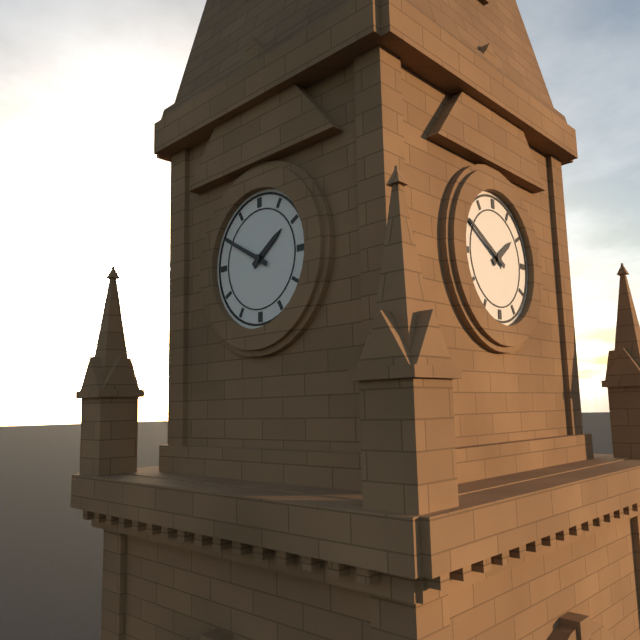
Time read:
**1:50**
